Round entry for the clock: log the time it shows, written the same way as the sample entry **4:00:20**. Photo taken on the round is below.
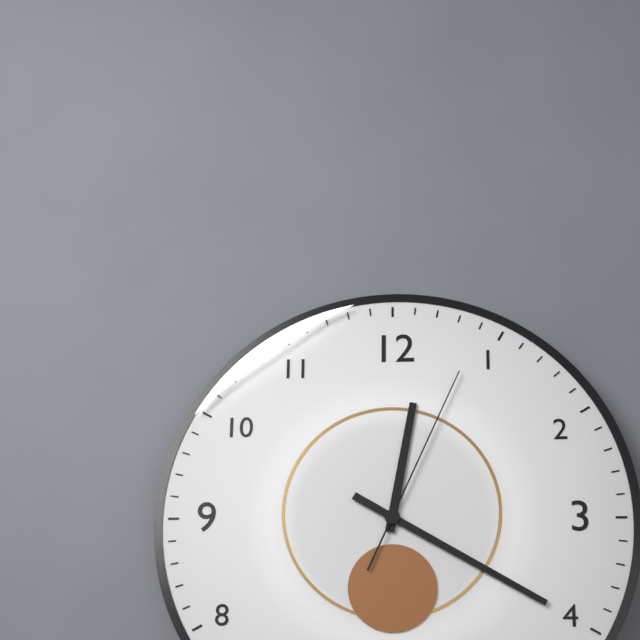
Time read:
**12:20:04**
